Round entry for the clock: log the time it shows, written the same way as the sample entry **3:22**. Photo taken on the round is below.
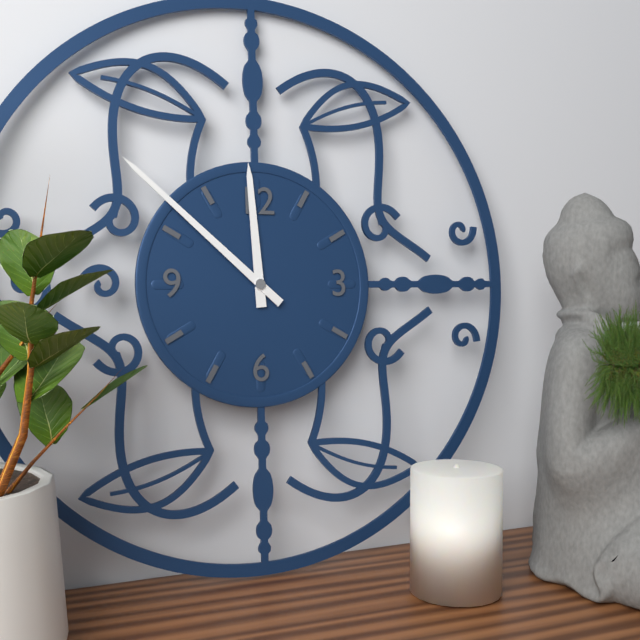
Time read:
**11:52**
